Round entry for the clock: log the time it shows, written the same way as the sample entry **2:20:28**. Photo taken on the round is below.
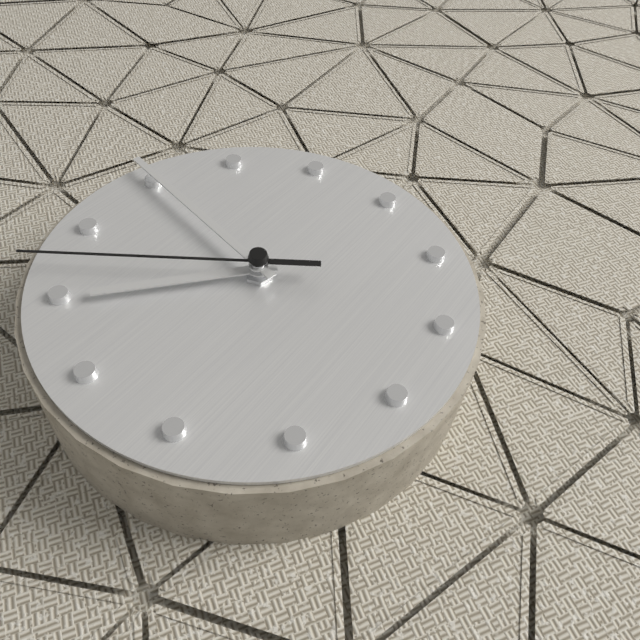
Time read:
**8:55:47**
